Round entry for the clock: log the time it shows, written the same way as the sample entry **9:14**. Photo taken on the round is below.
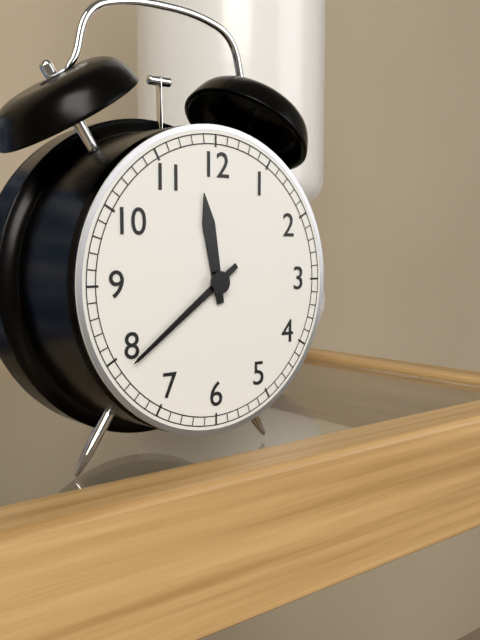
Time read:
**11:39**
